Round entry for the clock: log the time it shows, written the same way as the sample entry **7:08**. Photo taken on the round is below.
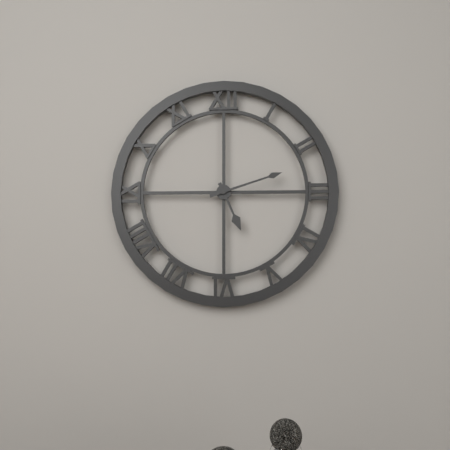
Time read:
**5:12**
